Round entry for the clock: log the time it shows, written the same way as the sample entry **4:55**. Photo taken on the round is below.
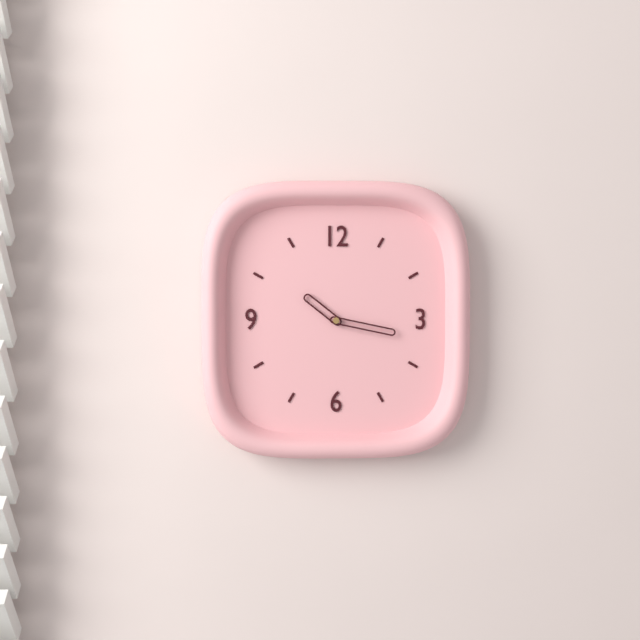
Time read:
**10:17**
